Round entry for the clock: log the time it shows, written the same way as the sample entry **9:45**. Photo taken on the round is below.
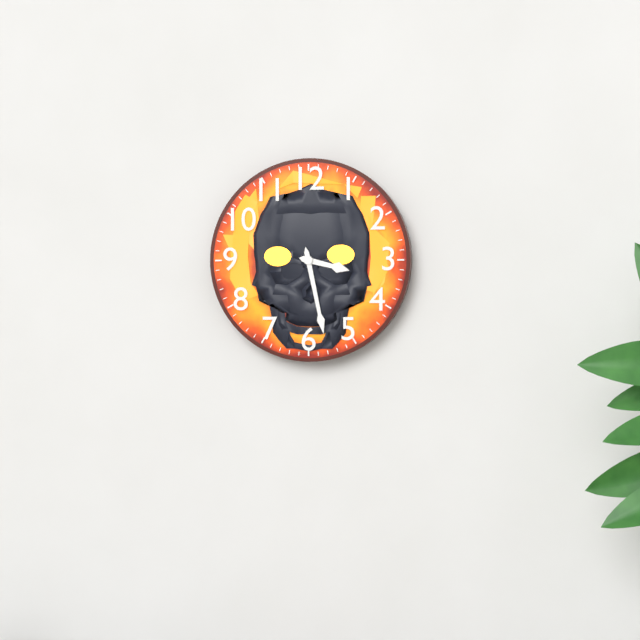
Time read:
**3:28**
